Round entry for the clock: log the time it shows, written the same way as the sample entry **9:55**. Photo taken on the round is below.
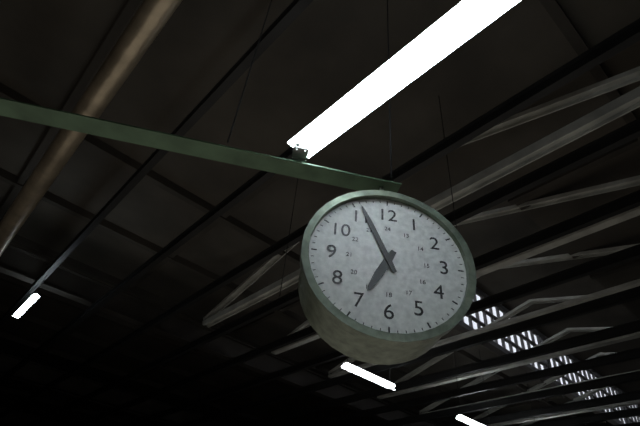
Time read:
**6:56**
